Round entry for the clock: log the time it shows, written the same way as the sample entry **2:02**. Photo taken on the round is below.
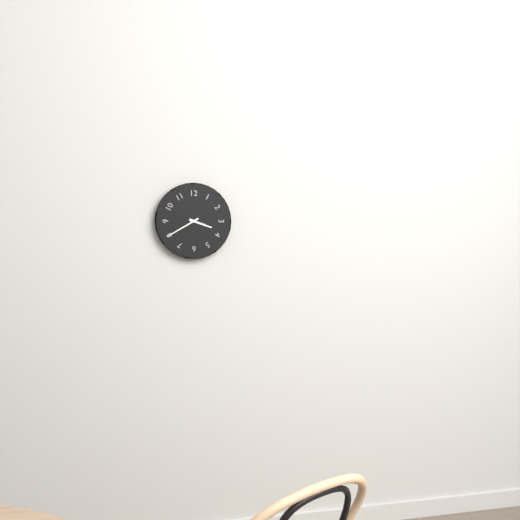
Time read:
**3:40**
